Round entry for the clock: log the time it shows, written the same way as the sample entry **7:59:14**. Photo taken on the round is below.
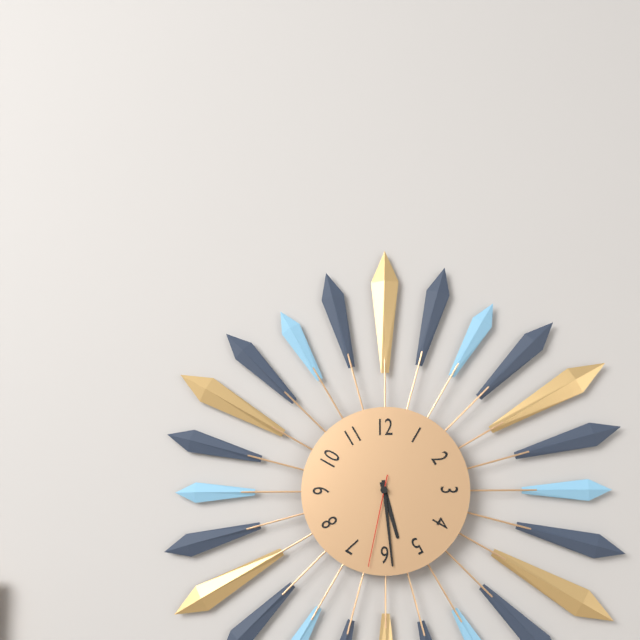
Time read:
**5:29:32**
